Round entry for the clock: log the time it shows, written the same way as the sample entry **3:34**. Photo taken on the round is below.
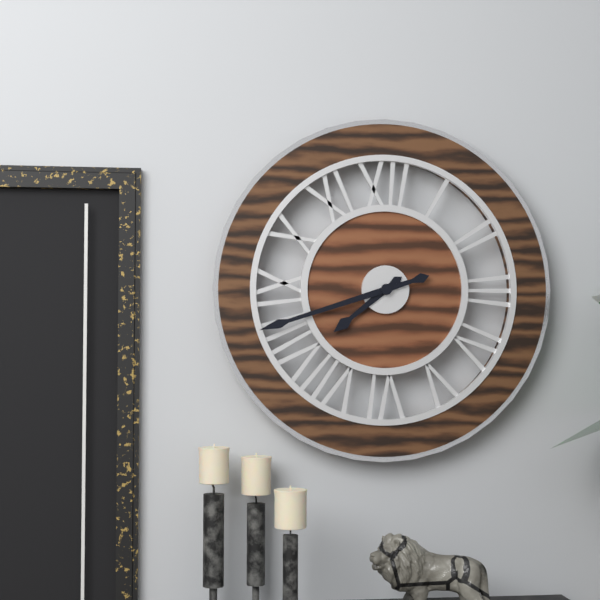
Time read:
**7:42**
